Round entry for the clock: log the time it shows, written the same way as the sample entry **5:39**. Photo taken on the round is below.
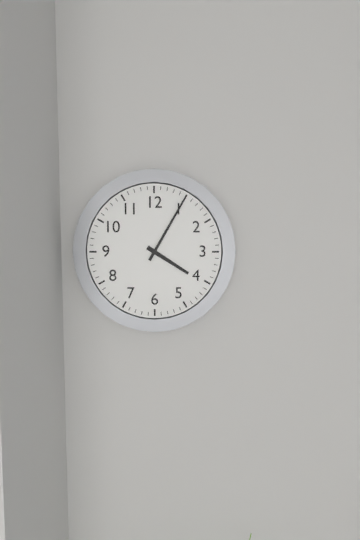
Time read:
**4:05**
